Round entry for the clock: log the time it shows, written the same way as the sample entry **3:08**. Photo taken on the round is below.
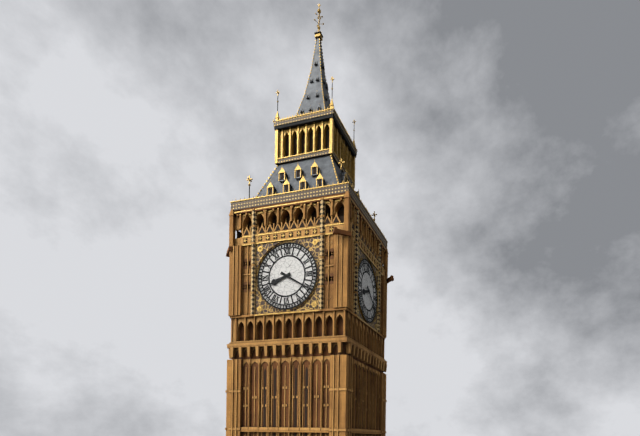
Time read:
**8:20**
